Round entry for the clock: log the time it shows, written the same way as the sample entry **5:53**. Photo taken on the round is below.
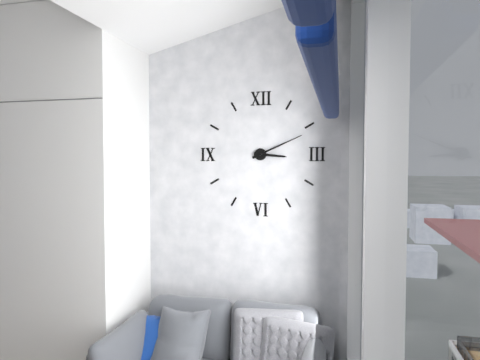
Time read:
**3:11**
